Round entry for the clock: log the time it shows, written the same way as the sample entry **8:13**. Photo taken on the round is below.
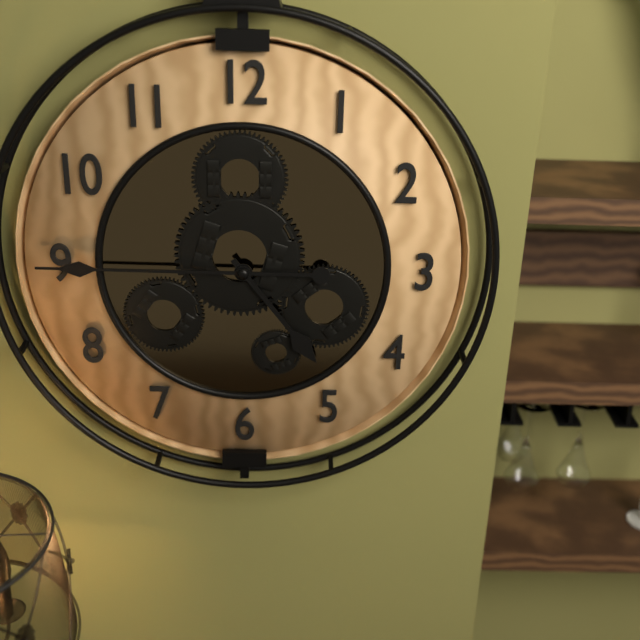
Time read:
**4:45**
